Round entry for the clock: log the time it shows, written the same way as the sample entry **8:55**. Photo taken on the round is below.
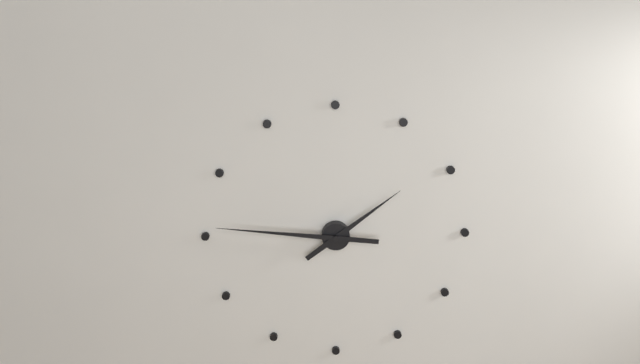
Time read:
**1:46**
